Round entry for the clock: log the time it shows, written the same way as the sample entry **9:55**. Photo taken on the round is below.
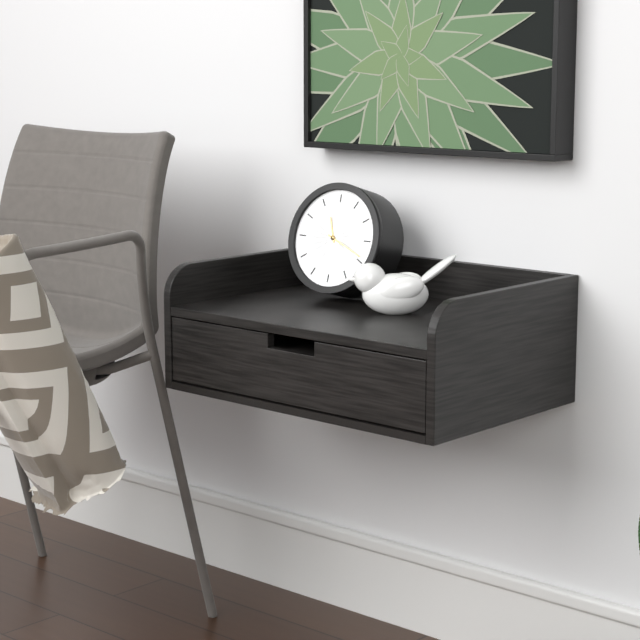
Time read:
**11:19**
